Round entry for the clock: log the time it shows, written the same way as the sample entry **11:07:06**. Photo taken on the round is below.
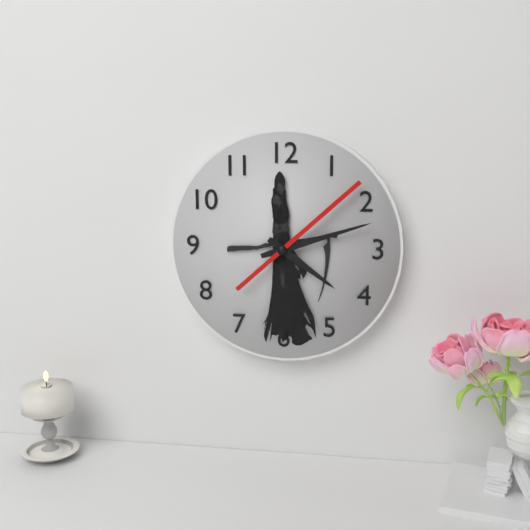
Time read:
**4:12:08**
